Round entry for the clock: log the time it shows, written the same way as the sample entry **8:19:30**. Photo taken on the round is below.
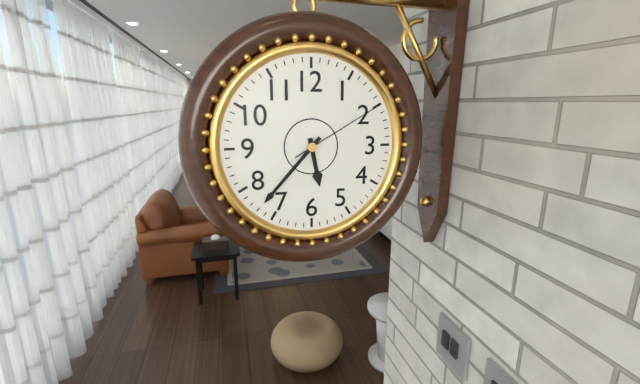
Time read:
**5:37:10**
